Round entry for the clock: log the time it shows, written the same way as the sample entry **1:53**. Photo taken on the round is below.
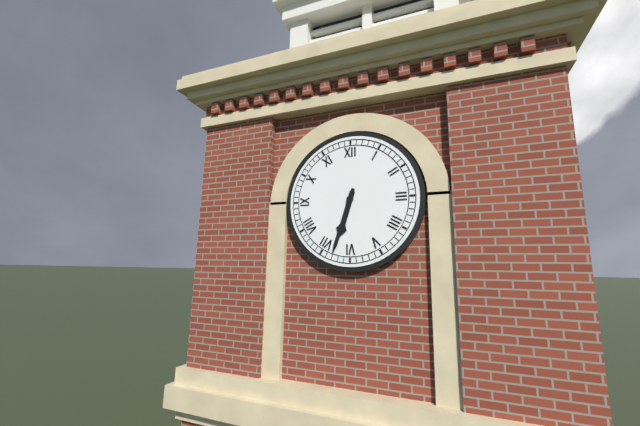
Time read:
**6:33**
